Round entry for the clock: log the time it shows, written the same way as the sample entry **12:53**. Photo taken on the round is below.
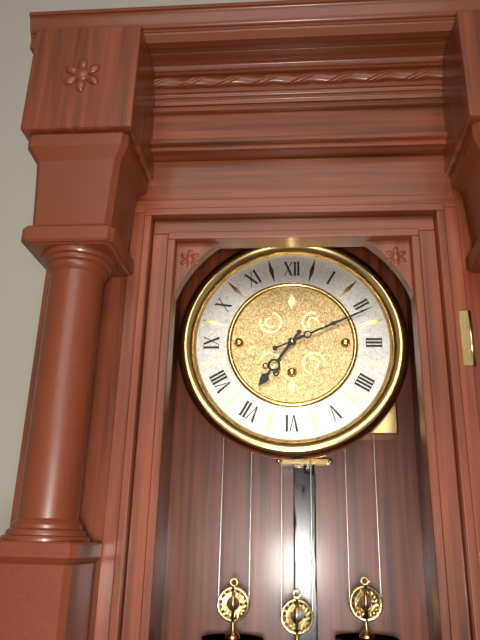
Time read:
**7:11**
